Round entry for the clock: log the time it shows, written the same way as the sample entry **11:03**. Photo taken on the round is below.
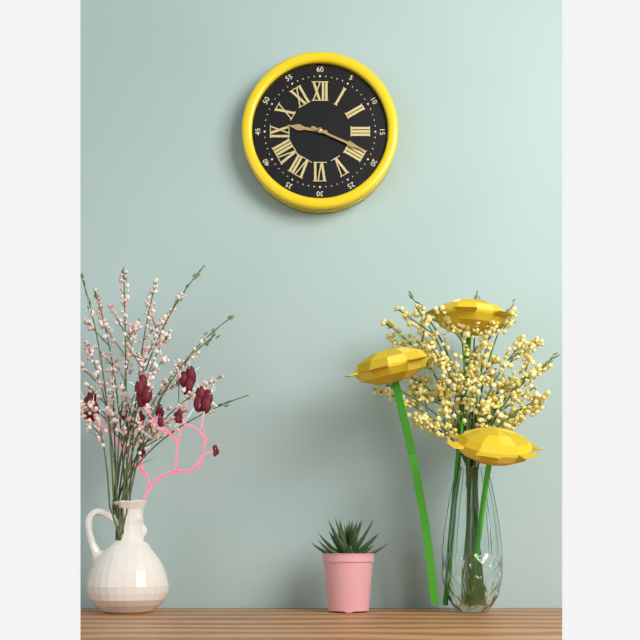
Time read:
**9:19**
